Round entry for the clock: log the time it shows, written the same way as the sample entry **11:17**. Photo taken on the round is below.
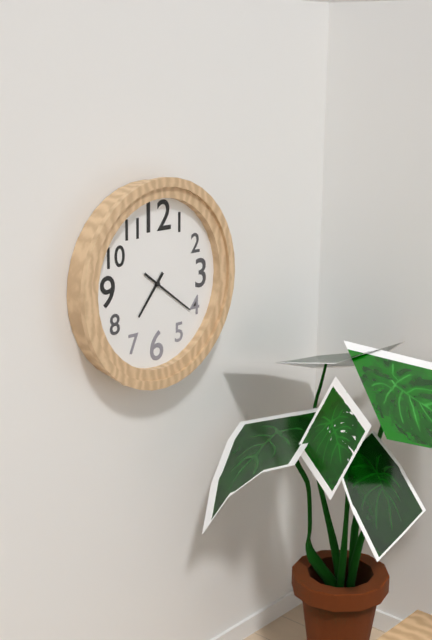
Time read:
**7:21**
